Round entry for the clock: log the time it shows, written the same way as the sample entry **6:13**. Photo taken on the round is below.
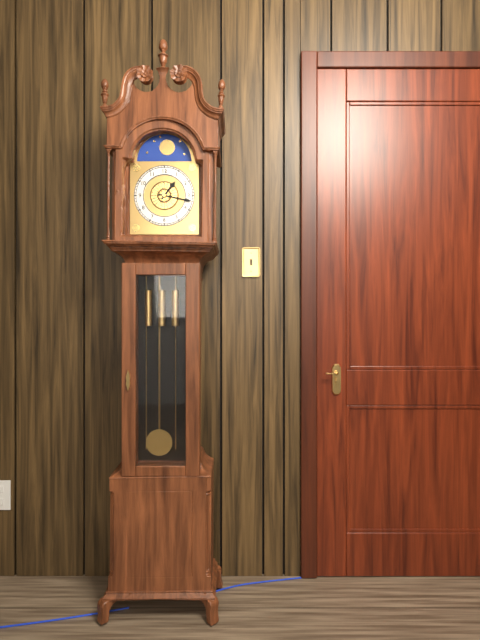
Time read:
**1:17**
